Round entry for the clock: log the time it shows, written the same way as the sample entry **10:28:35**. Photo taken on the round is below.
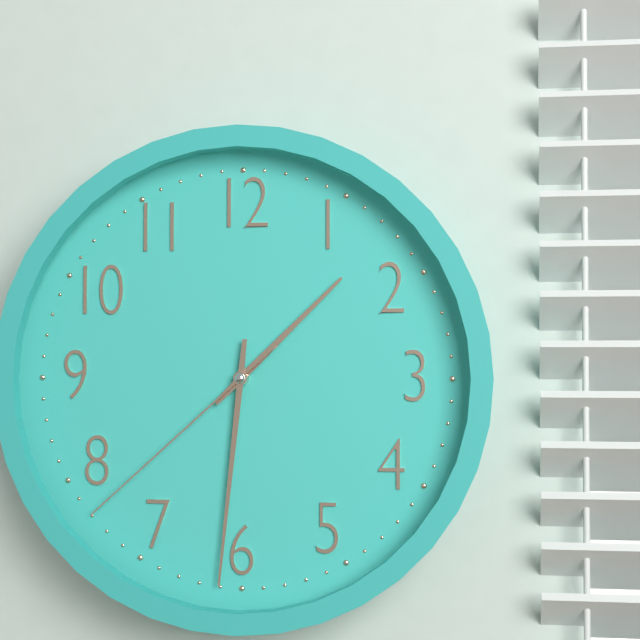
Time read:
**1:31:38**
